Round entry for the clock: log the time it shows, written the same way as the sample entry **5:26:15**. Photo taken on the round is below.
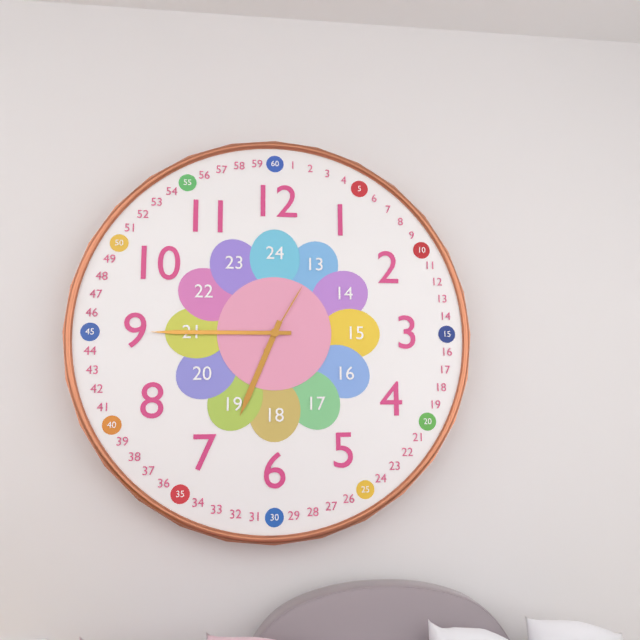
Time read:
**6:45:05**
